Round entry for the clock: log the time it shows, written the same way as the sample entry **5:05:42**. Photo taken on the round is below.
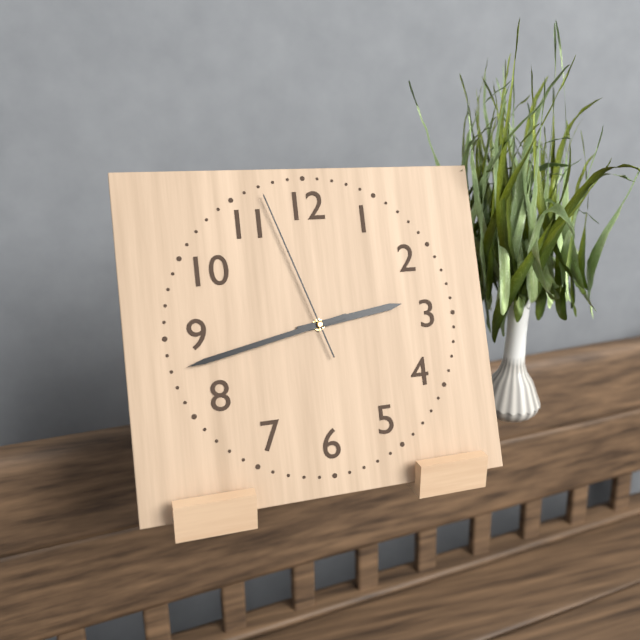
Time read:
**2:43:57**
